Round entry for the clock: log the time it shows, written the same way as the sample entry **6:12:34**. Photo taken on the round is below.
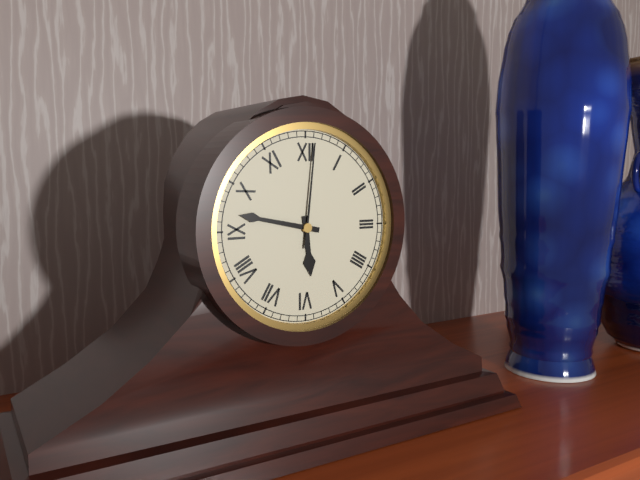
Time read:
**5:47:01**
